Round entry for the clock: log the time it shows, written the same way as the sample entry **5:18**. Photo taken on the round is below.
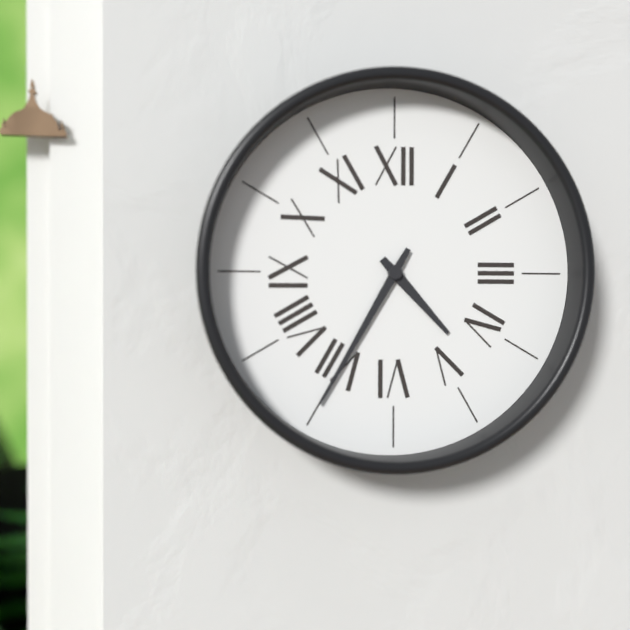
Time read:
**4:35**
